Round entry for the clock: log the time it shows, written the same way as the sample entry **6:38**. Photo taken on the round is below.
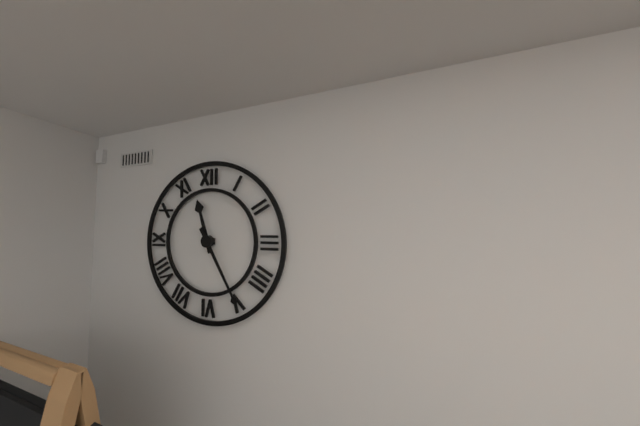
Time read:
**11:25**
